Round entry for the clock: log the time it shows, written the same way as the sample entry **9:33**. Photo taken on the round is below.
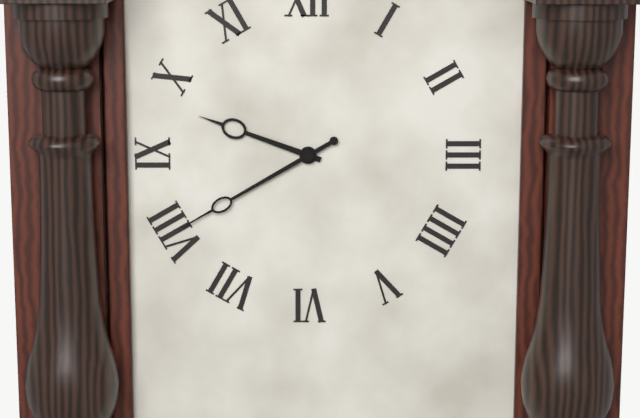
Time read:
**9:40**
